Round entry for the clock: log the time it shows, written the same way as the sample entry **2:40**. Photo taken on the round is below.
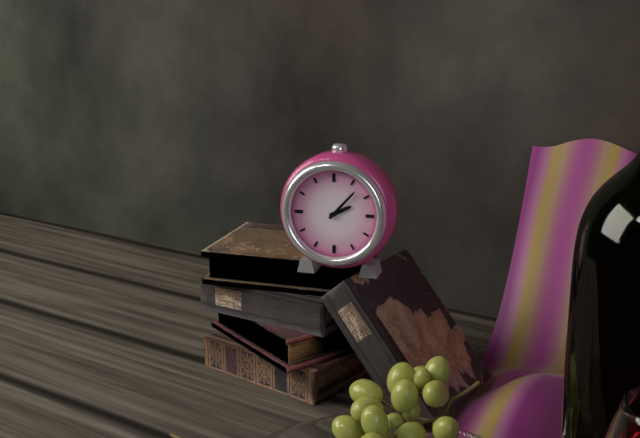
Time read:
**2:07**
